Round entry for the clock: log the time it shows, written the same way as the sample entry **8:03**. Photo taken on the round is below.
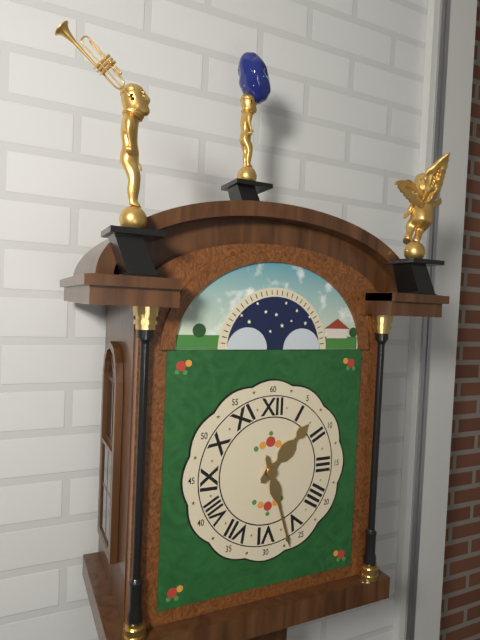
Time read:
**1:27**
